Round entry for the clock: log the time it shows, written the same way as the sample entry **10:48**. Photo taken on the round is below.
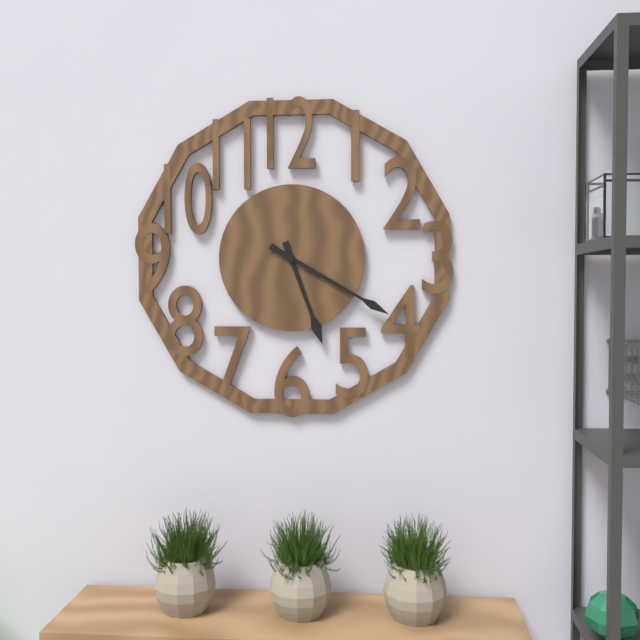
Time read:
**5:20**
